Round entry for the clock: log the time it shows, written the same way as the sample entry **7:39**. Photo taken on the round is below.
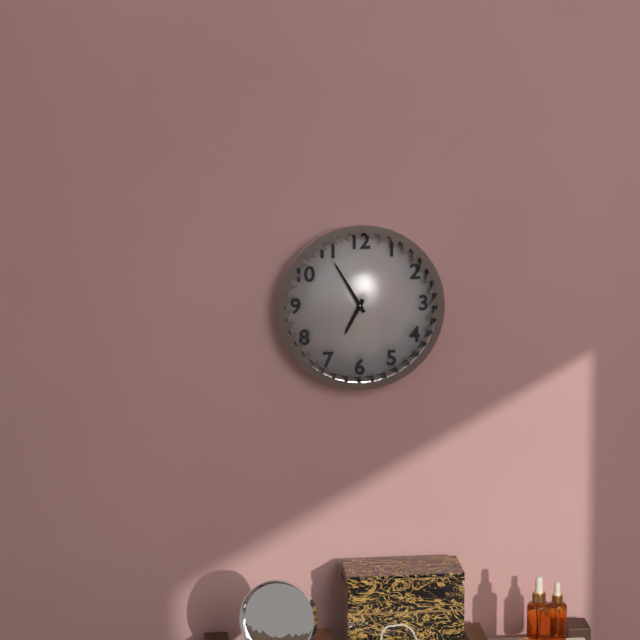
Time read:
**6:55**
